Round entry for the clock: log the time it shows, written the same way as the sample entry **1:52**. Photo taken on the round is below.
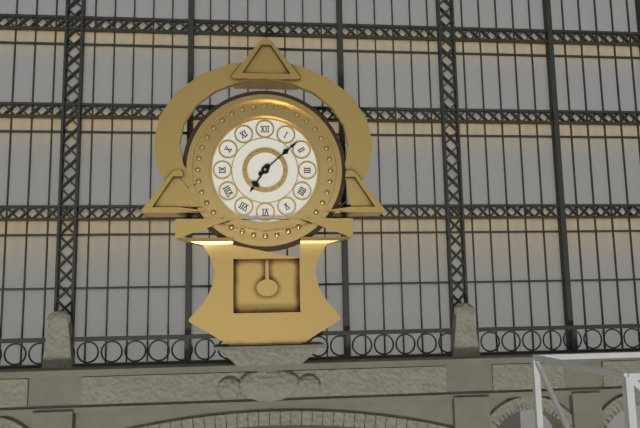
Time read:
**7:08**
